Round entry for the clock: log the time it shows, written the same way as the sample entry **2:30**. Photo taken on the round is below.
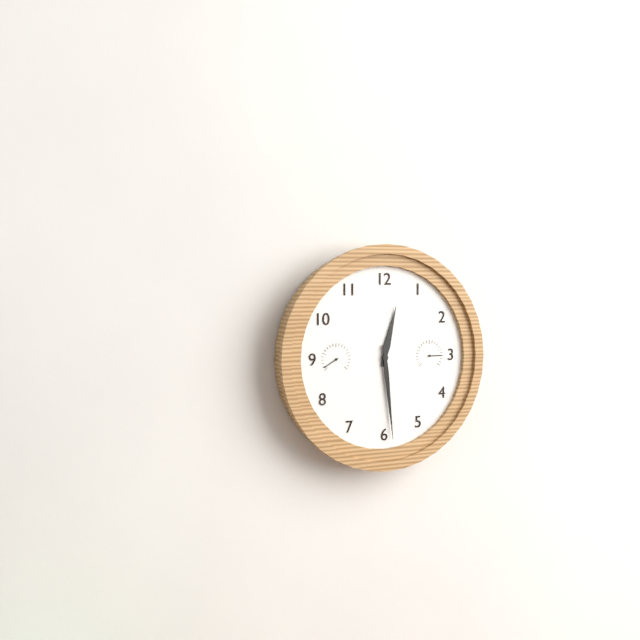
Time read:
**12:29**
